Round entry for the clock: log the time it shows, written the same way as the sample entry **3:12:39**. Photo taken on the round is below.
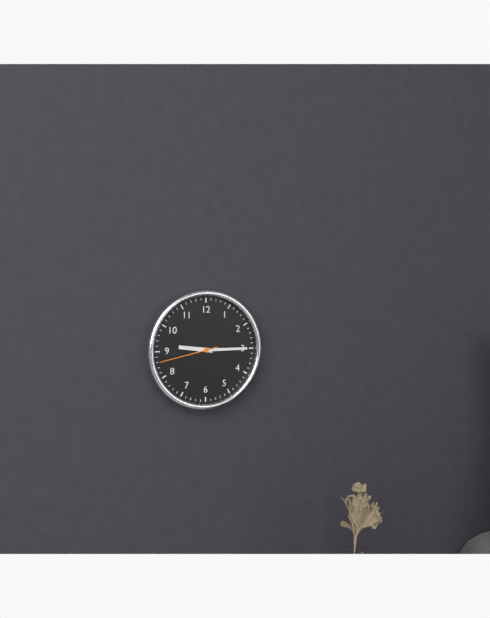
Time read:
**9:15:43**
